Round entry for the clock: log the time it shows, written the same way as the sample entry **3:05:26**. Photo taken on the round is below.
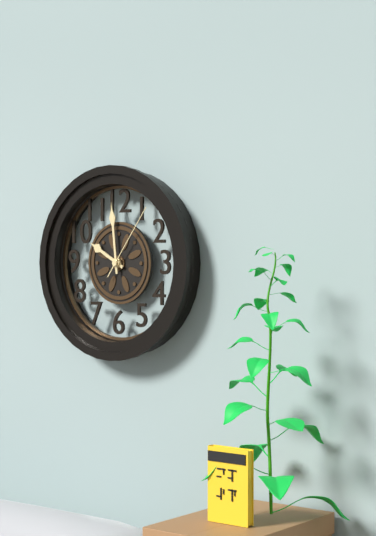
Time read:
**9:59:06**
